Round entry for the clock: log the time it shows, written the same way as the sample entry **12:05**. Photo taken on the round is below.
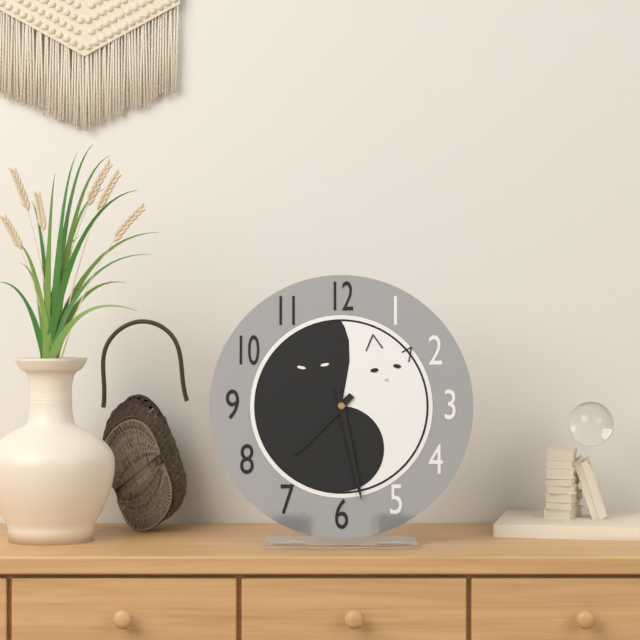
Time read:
**7:28**
